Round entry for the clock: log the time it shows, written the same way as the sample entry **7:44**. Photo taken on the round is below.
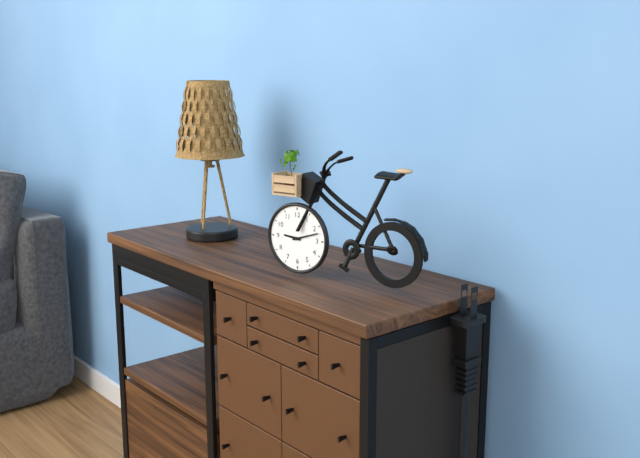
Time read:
**9:12**
